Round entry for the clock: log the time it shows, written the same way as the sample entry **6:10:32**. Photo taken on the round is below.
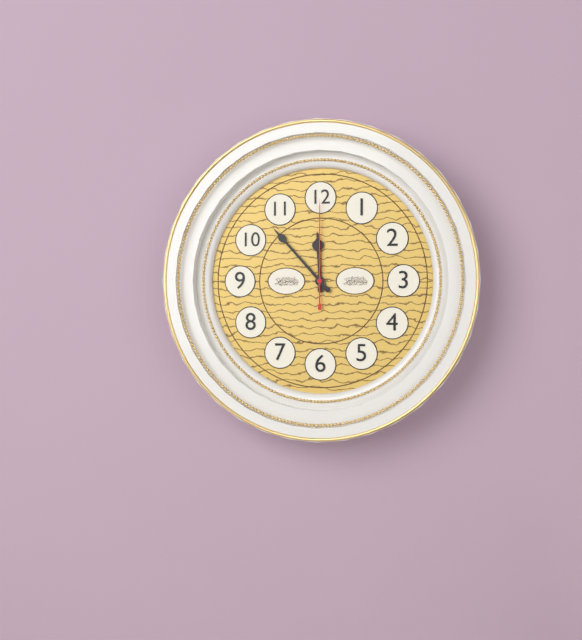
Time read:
**11:53:00**
